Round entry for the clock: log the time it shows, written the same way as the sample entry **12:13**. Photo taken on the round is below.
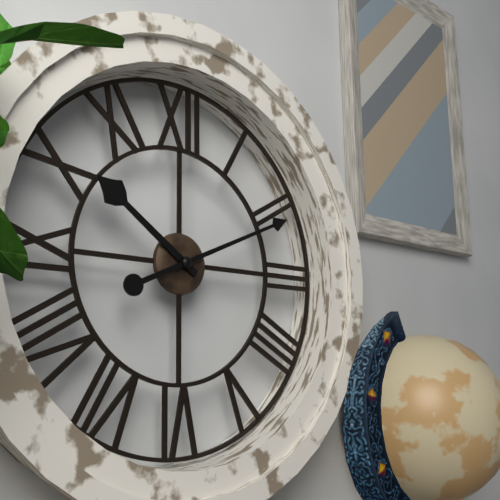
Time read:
**10:11**
